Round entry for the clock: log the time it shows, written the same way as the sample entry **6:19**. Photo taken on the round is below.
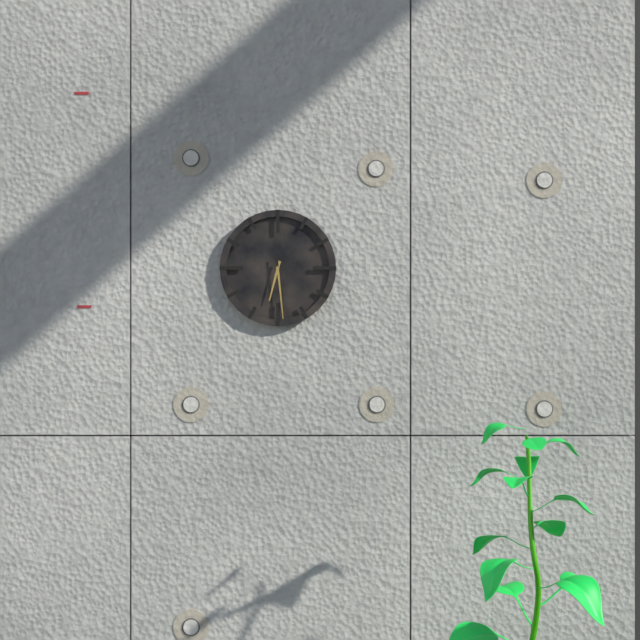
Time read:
**6:29**
